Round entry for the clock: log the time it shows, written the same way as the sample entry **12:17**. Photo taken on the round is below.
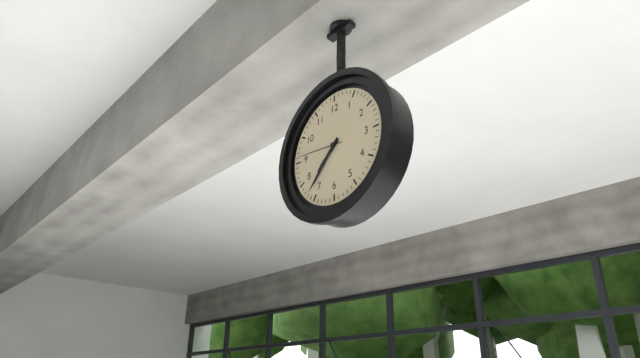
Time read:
**7:37**
